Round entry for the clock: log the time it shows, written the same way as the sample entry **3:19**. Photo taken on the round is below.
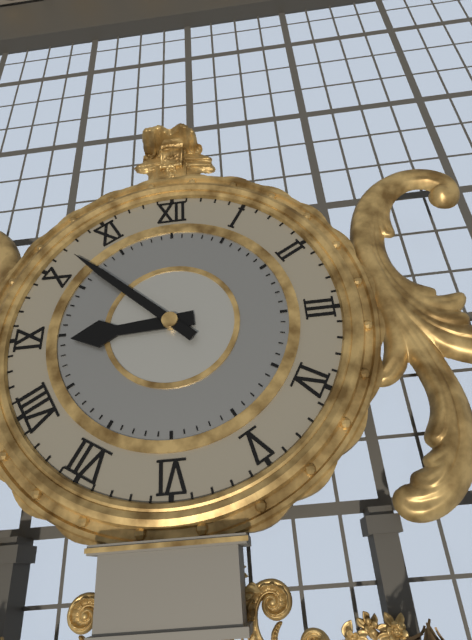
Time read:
**8:52**
